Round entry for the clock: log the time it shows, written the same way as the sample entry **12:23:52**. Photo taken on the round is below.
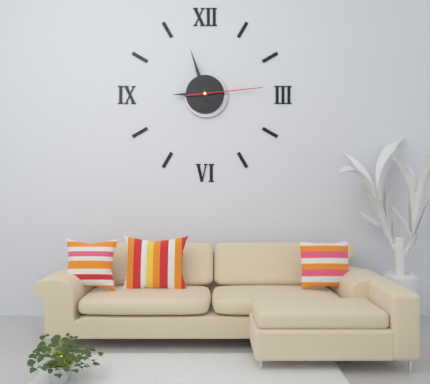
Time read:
**8:57:14**
